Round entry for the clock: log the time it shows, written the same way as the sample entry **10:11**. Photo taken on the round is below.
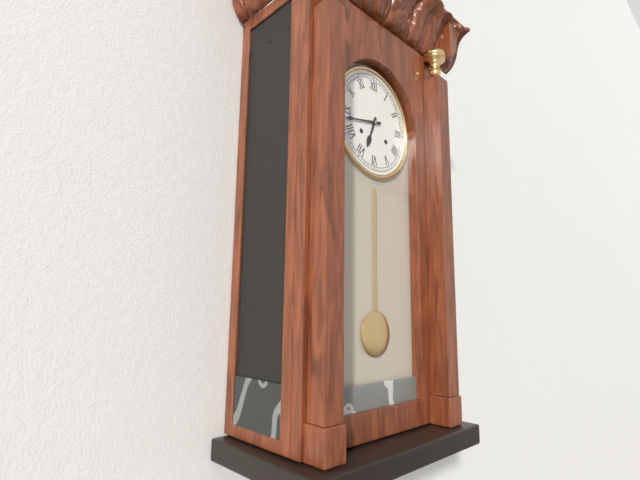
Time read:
**6:43**
